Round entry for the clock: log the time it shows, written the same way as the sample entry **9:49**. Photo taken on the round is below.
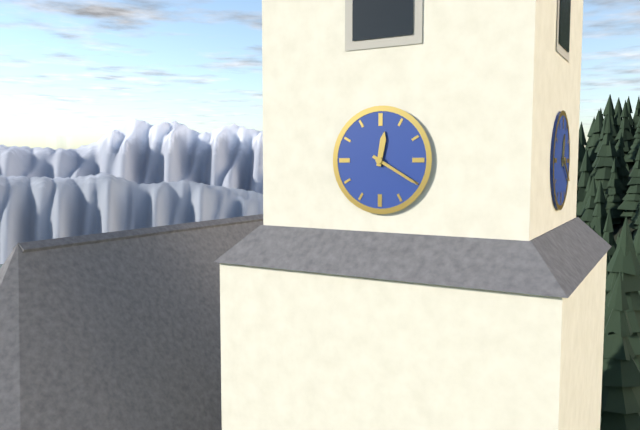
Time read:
**12:20**
